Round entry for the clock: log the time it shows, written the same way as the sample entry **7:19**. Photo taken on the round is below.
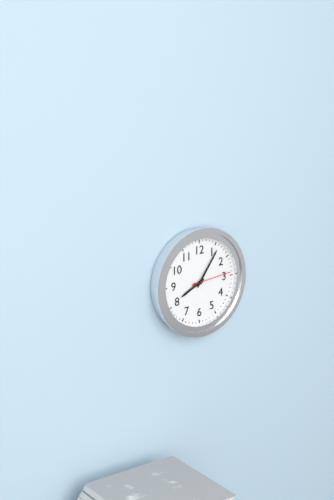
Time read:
**8:06**
